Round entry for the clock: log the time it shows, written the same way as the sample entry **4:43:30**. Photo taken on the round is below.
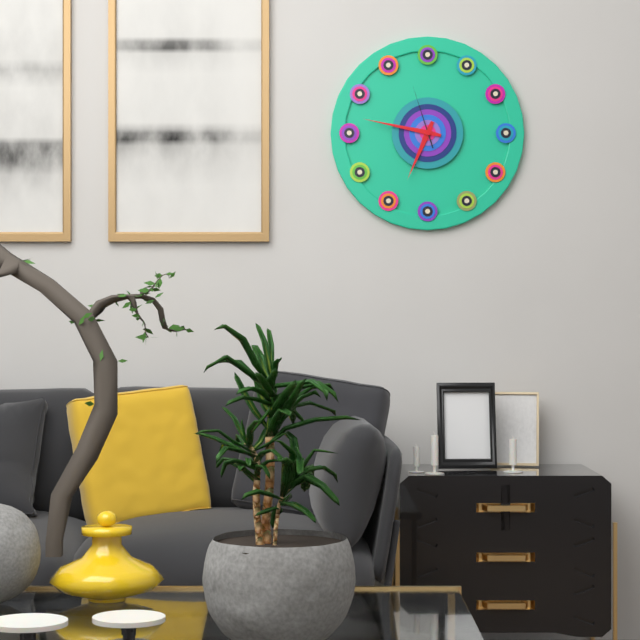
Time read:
**6:47:57**
